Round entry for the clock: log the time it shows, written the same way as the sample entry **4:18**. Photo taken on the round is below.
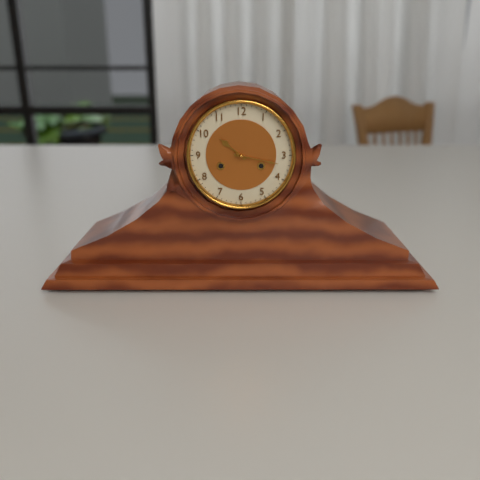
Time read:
**10:17**
